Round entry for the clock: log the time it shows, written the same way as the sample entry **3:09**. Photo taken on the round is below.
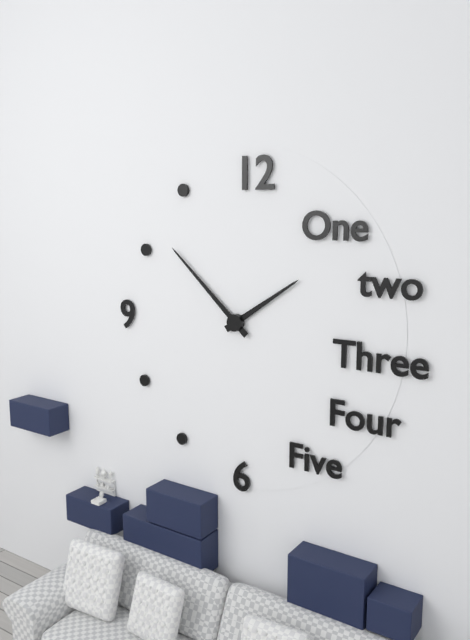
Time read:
**1:52**
